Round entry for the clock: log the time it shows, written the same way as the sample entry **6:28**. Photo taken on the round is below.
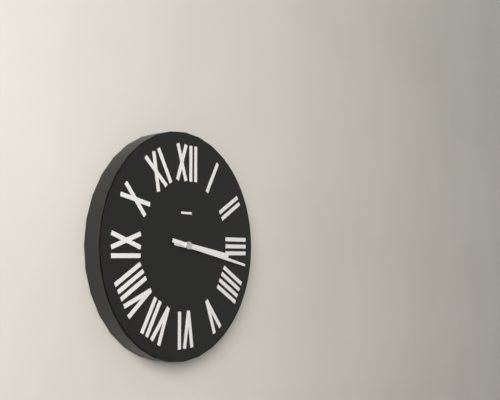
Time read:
**3:17**
